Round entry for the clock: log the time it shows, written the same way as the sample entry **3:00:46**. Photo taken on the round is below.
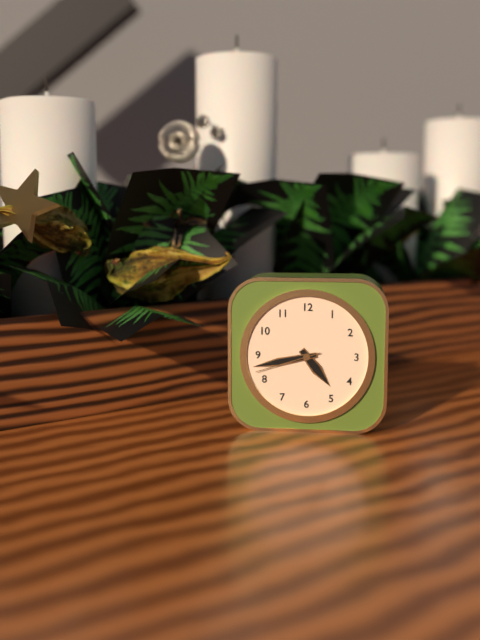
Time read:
**4:43:42**
